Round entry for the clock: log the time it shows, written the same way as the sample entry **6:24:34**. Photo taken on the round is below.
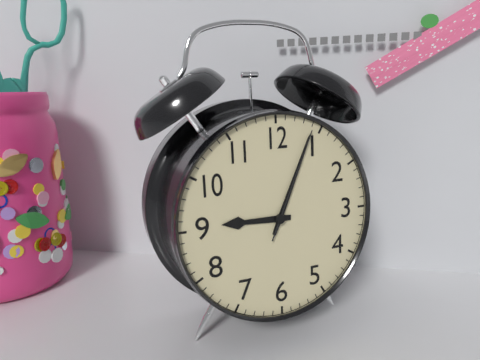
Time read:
**9:04:04**
